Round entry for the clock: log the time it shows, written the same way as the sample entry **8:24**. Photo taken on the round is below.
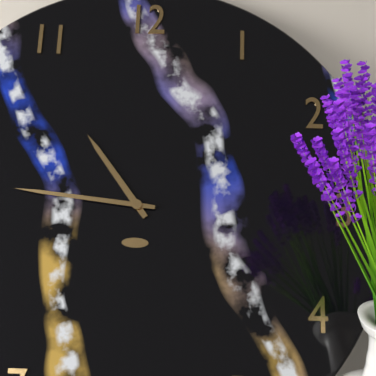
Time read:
**10:46**
